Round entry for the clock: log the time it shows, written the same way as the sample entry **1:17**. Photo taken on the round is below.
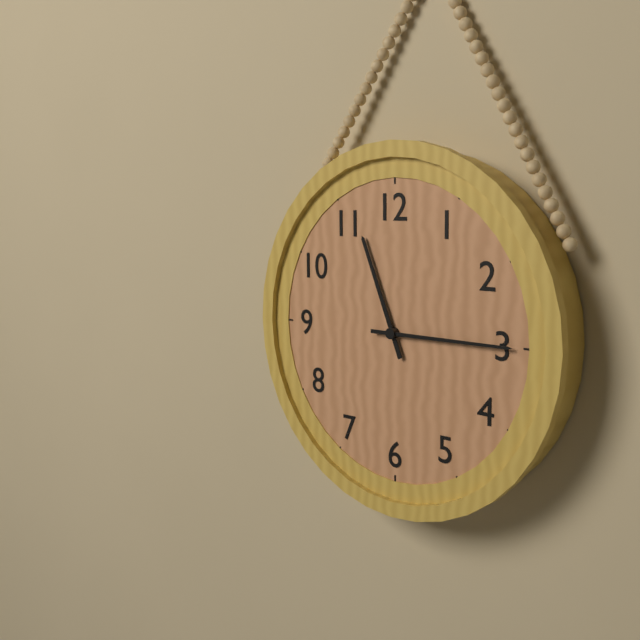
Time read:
**11:15**
